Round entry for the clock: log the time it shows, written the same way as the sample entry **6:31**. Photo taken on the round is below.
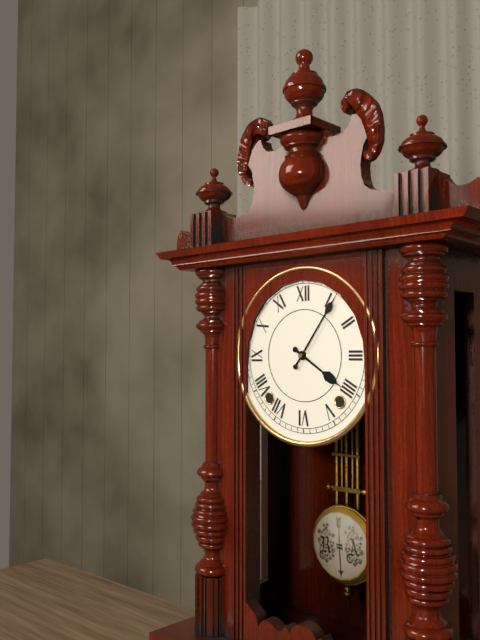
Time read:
**4:06**
